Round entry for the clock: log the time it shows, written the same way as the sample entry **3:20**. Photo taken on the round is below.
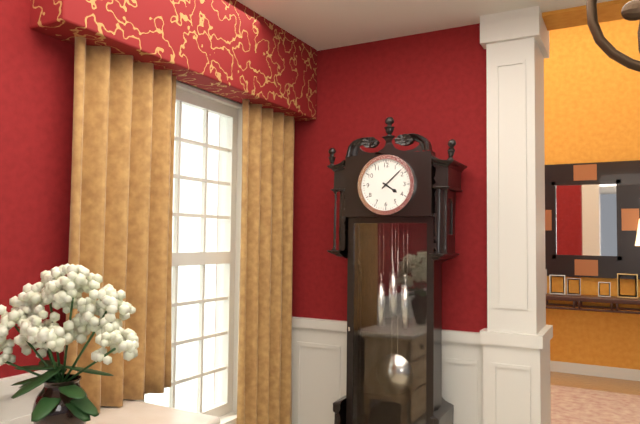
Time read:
**4:08**
